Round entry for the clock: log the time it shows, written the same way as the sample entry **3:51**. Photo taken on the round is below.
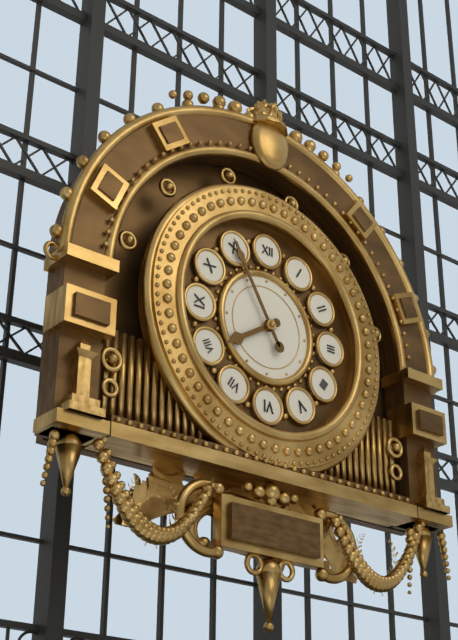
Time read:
**7:55**
